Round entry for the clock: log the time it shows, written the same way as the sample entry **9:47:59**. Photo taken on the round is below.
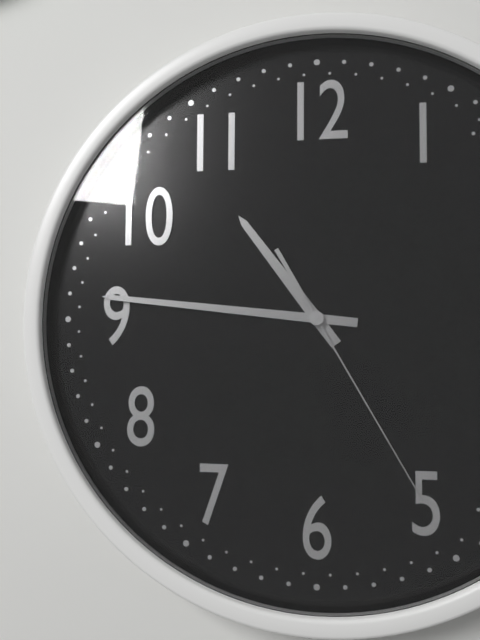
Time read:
**10:46:25**
